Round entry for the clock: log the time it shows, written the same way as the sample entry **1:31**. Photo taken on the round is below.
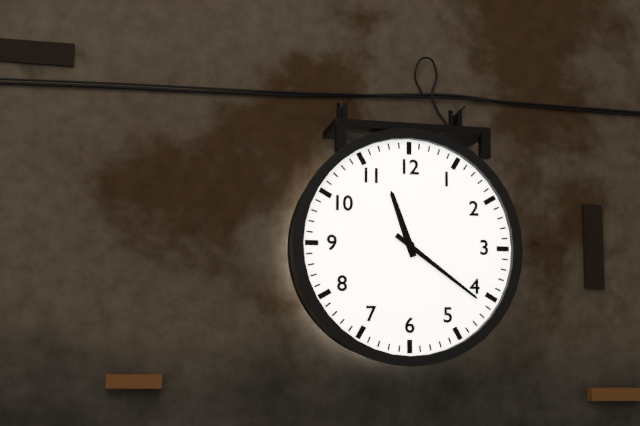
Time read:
**11:21**
